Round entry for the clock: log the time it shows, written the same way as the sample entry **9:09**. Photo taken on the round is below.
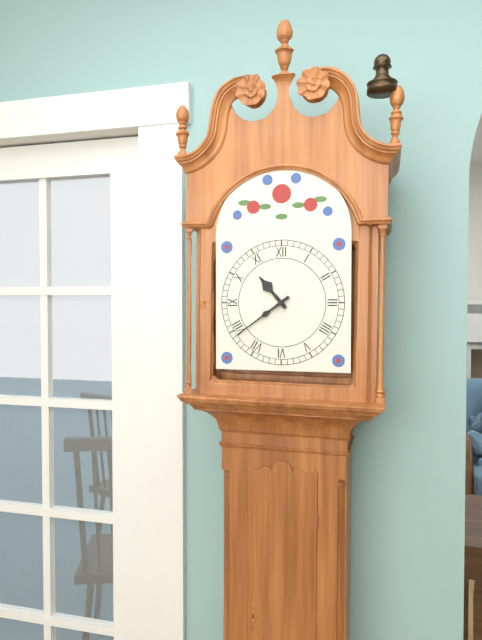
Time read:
**10:39**
